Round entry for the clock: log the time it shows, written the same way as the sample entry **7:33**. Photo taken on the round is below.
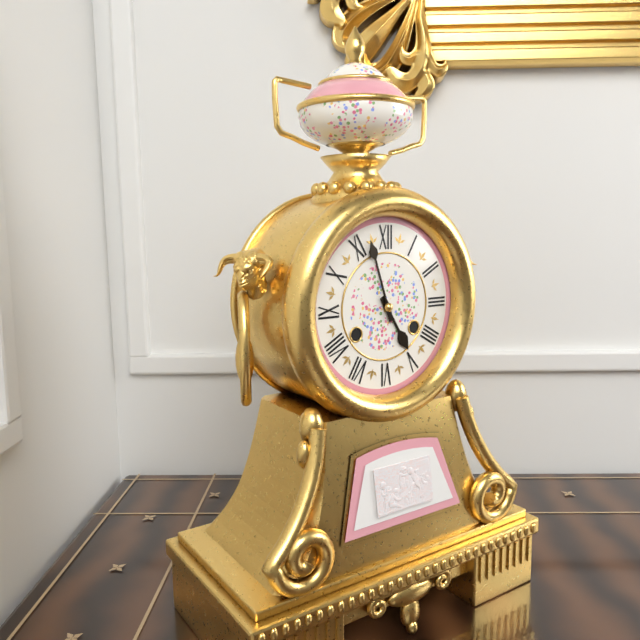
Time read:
**4:57**
